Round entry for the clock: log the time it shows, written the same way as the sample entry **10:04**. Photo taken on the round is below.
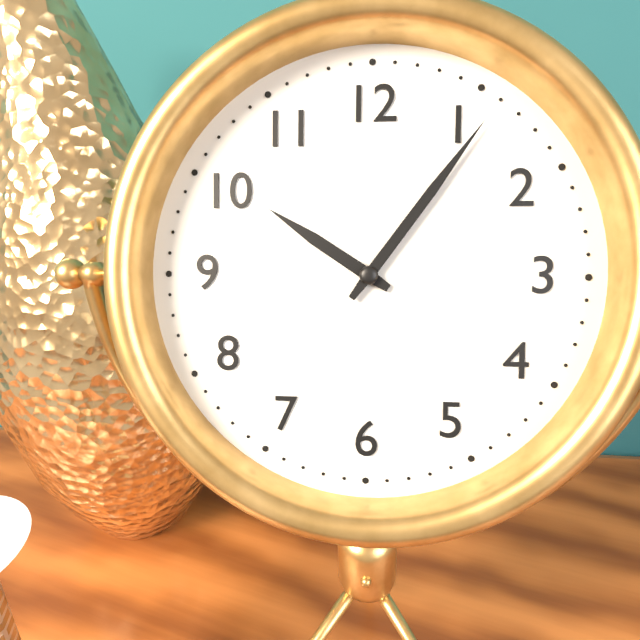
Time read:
**10:06**
